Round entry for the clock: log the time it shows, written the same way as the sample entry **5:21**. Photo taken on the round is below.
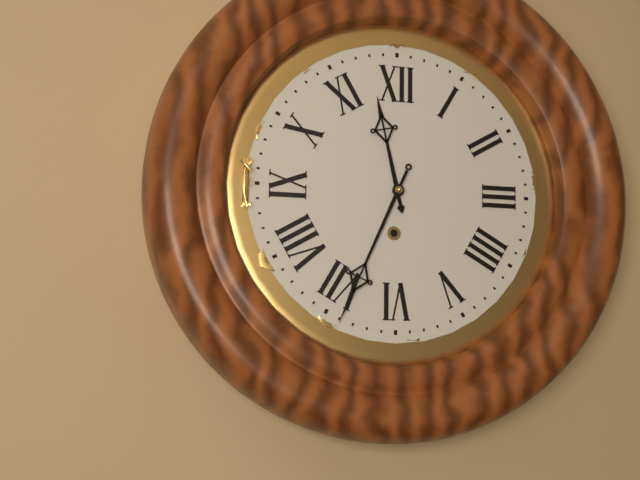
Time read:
**11:34**
